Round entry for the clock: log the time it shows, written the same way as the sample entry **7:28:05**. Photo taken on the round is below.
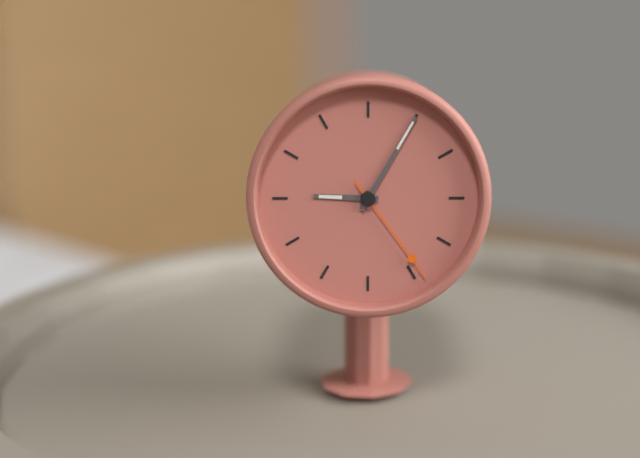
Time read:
**9:05:24**
